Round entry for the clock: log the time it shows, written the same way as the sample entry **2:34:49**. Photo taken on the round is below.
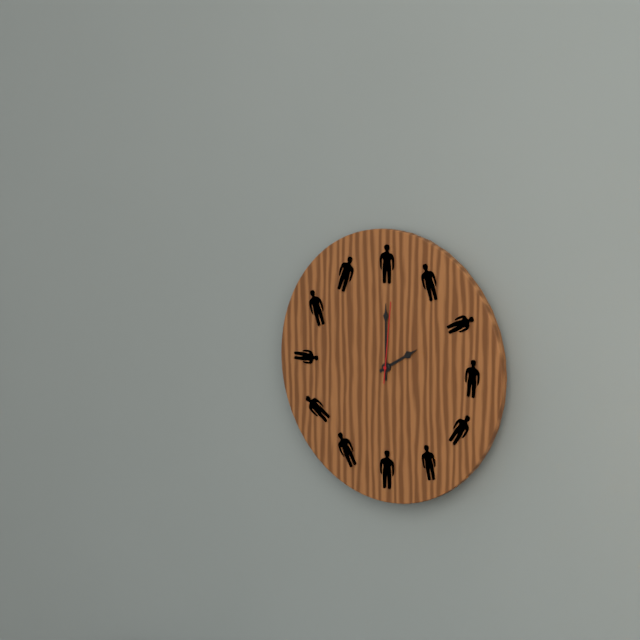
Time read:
**2:00:01**
